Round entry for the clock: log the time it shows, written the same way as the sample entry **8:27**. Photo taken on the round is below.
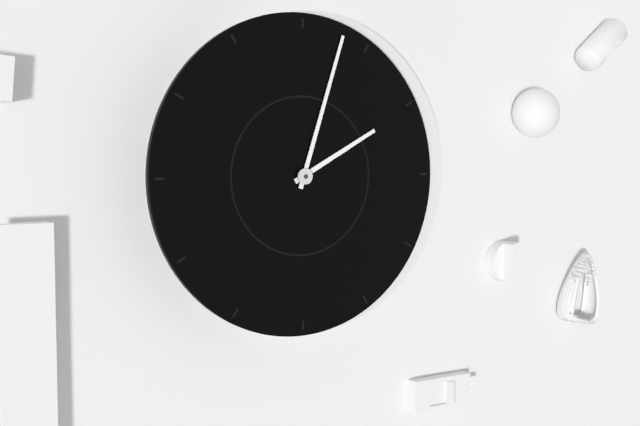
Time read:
**2:03**
